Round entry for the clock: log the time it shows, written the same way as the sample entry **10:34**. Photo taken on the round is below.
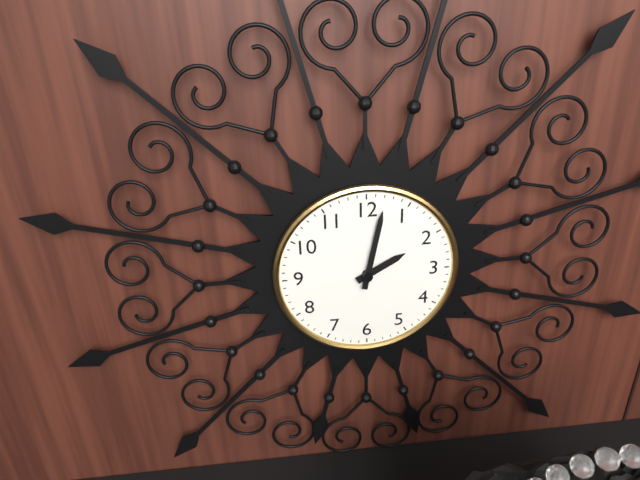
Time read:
**2:02**
